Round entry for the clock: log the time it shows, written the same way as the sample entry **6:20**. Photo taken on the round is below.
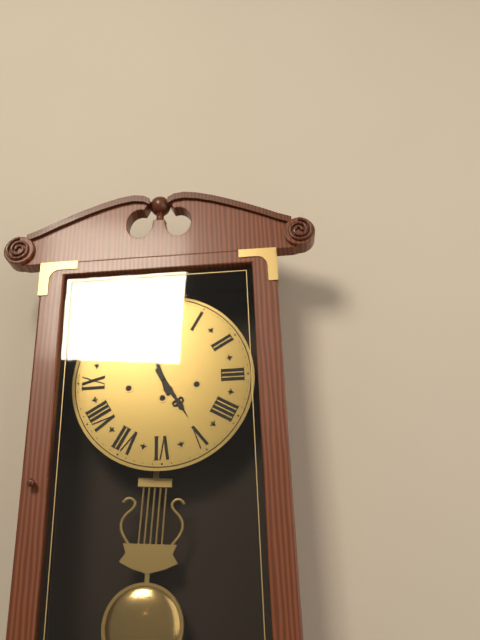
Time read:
**4:57**
